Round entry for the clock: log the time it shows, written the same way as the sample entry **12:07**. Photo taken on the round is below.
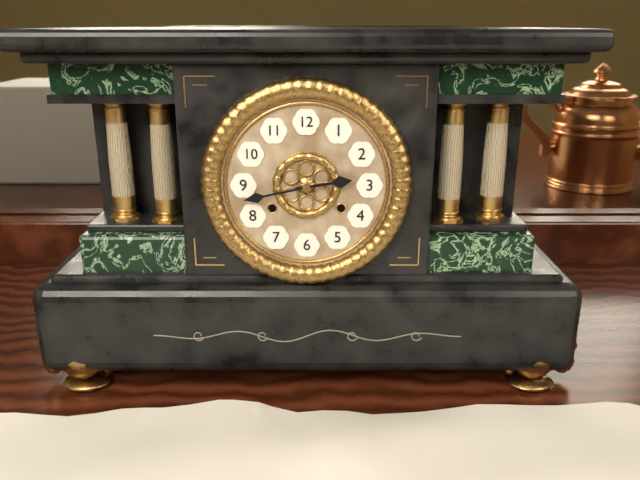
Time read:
**2:43**
